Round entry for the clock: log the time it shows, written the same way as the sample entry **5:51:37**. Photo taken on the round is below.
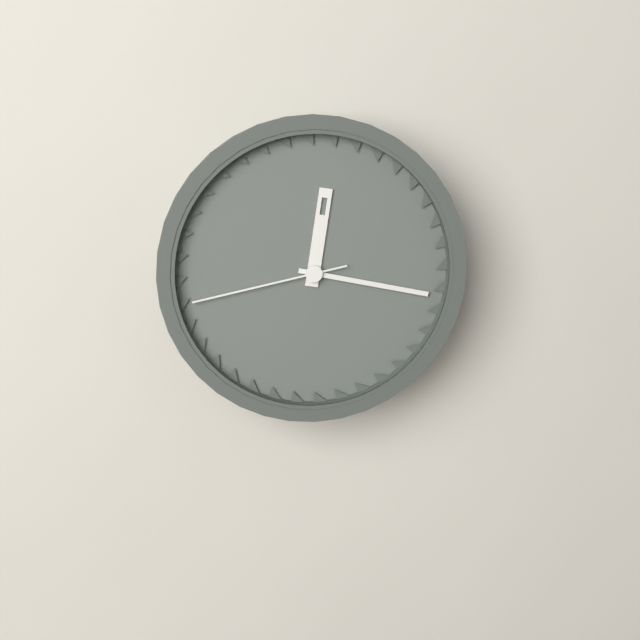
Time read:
**12:17:43**
